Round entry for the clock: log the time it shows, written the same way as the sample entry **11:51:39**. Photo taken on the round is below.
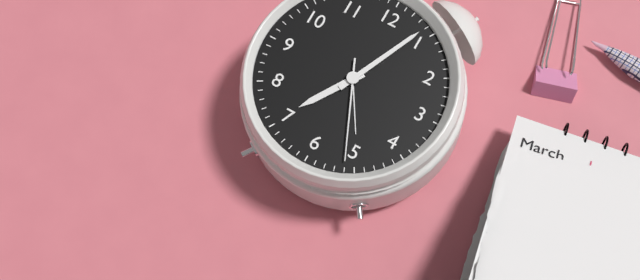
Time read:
**7:04:26**
